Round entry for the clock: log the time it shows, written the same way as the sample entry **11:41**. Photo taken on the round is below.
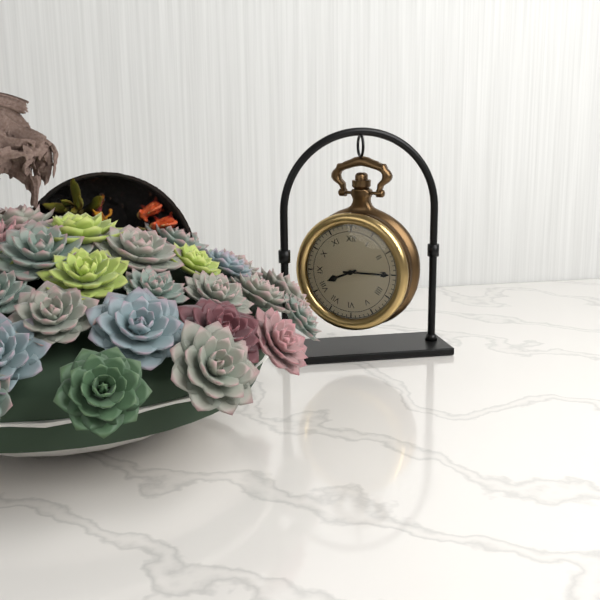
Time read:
**8:15**
